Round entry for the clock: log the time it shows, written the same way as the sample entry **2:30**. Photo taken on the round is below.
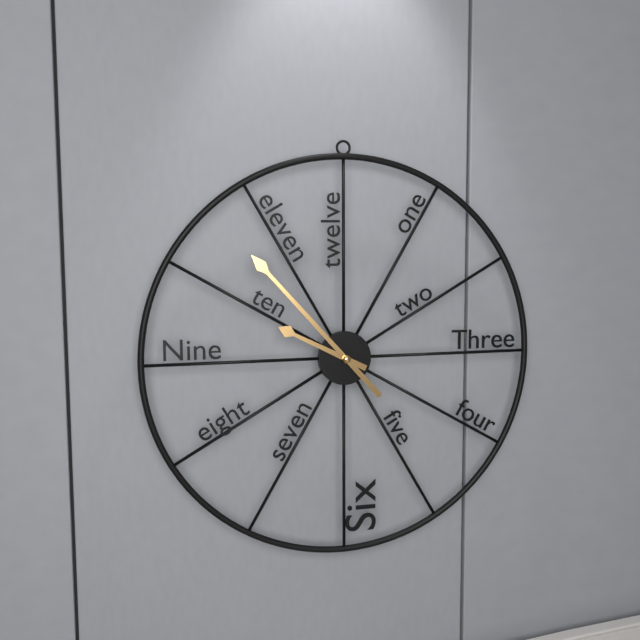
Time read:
**9:53**
